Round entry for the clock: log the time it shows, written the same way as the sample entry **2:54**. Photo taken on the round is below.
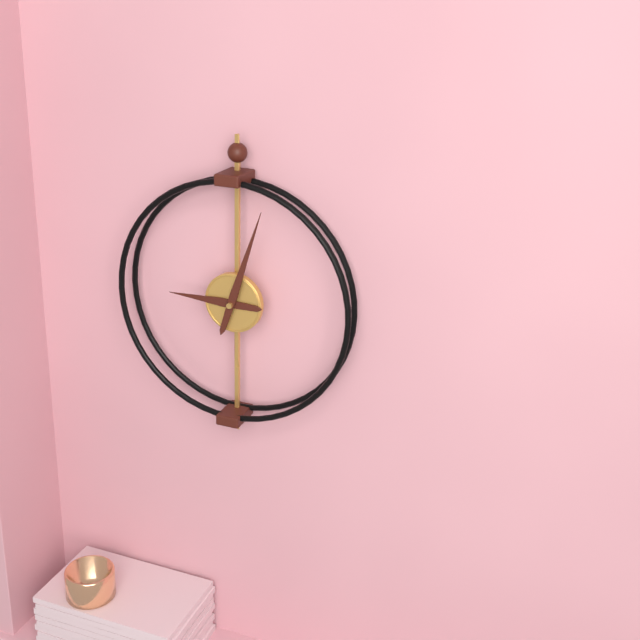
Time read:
**9:03**
